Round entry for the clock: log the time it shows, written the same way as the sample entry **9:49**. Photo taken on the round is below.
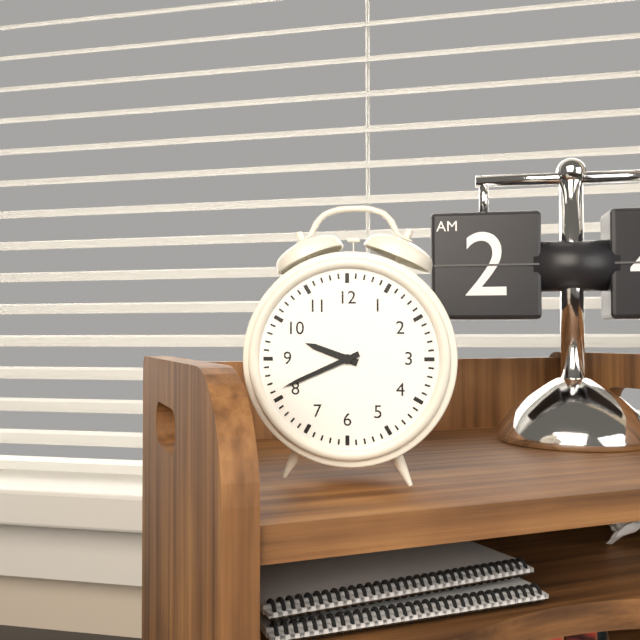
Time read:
**9:41**
